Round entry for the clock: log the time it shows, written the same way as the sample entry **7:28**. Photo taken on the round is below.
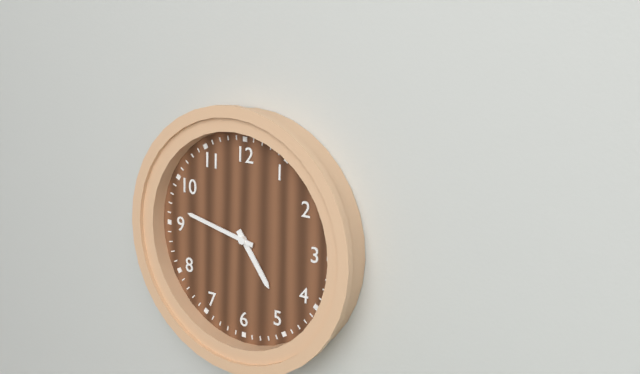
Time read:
**4:47**
